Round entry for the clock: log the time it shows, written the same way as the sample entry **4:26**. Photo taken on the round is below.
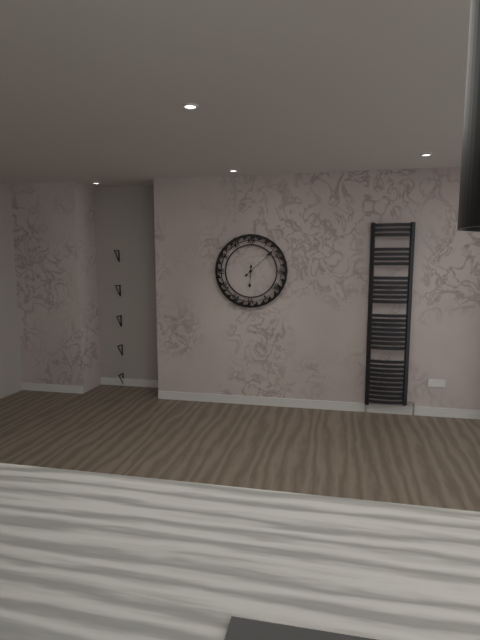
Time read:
**6:08**
